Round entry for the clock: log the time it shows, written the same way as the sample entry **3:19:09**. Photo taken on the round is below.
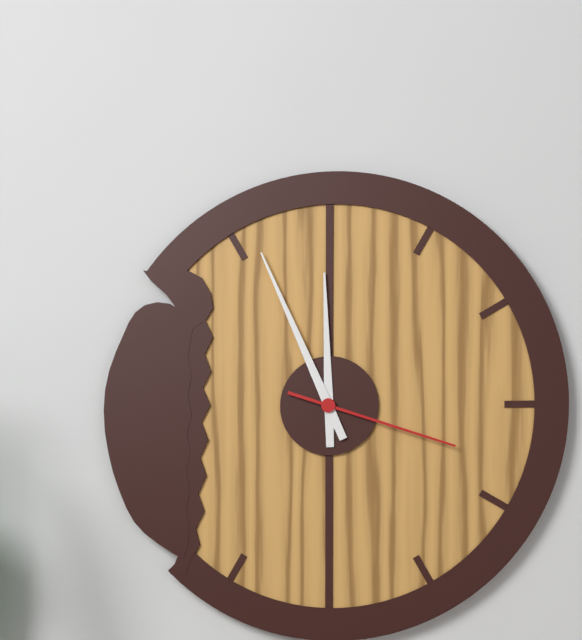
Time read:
**11:56:18**
